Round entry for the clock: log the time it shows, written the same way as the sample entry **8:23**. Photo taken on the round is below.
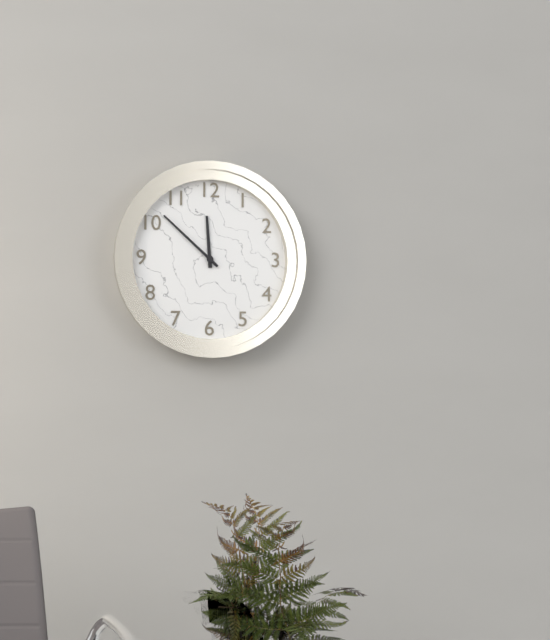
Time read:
**11:52**
